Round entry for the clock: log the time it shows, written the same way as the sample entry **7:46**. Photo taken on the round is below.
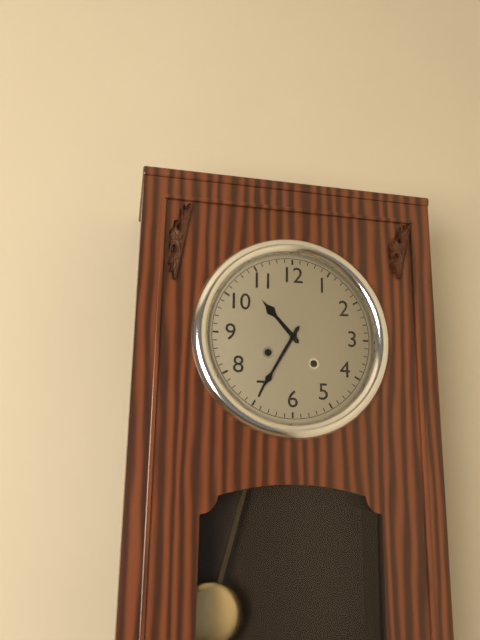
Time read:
**10:35**
